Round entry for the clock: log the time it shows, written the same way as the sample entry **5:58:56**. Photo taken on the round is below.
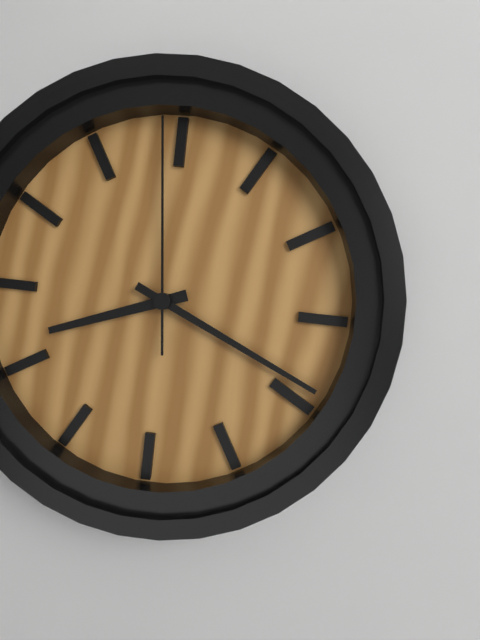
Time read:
**8:19:59**
